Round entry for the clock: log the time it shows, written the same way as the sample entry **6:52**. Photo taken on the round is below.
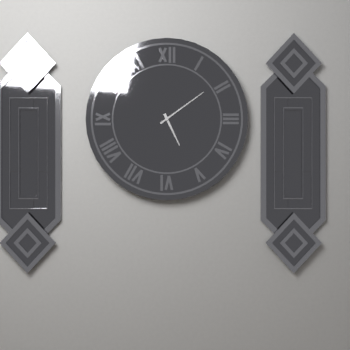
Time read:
**5:09**
